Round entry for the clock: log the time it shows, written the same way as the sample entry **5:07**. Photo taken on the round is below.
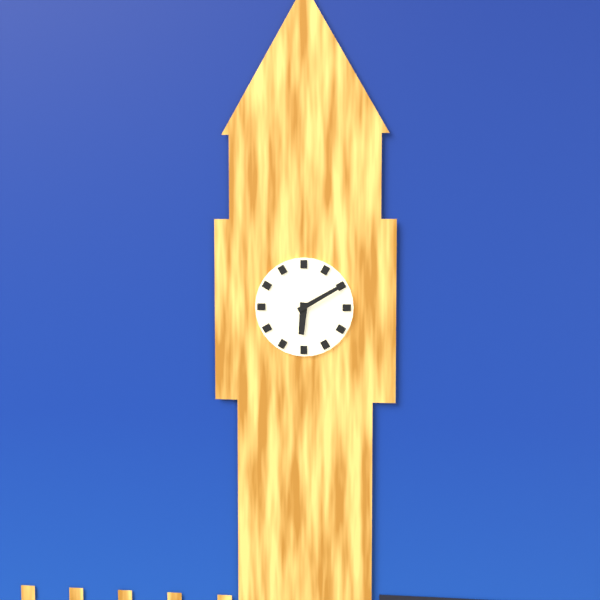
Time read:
**6:10**
